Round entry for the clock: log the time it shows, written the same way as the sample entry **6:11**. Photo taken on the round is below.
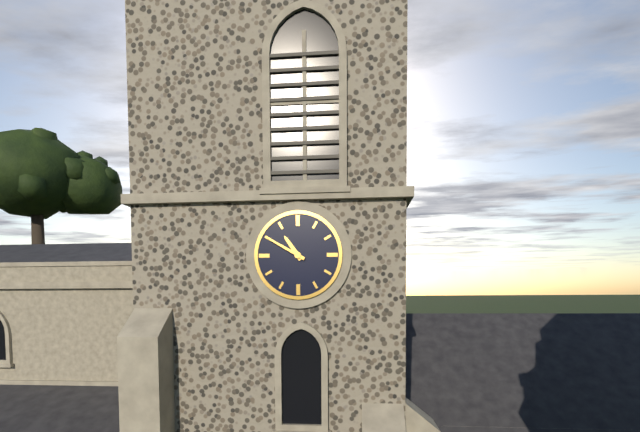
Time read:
**10:50**
